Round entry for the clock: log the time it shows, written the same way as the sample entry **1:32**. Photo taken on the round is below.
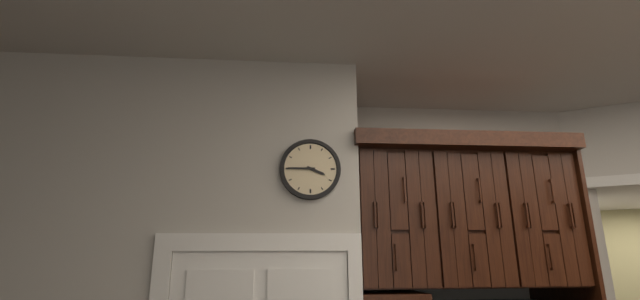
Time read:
**3:45**
